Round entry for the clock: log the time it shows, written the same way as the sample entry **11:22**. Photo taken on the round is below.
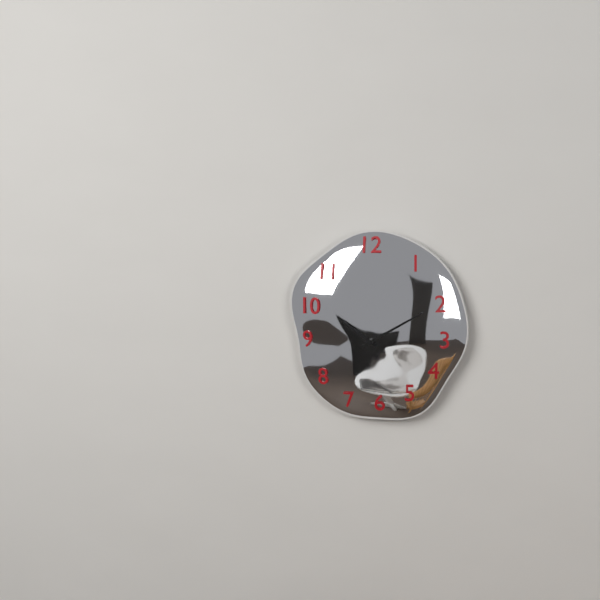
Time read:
**10:10**
